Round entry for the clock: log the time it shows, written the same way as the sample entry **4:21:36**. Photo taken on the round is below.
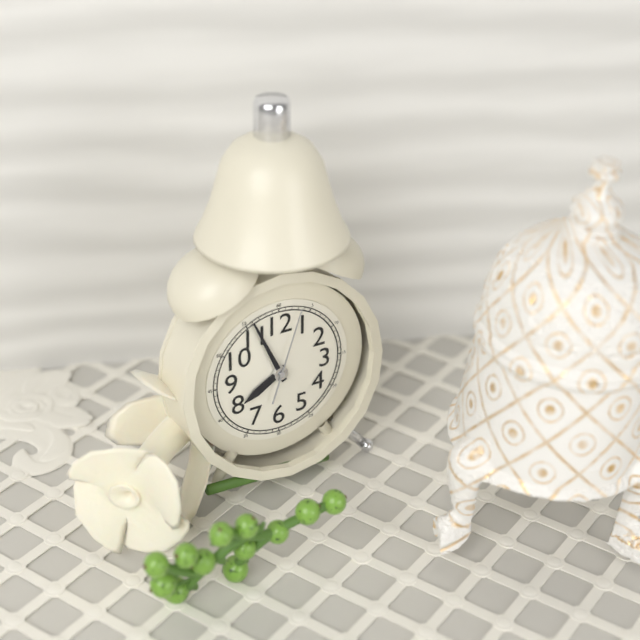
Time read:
**7:56:03**
